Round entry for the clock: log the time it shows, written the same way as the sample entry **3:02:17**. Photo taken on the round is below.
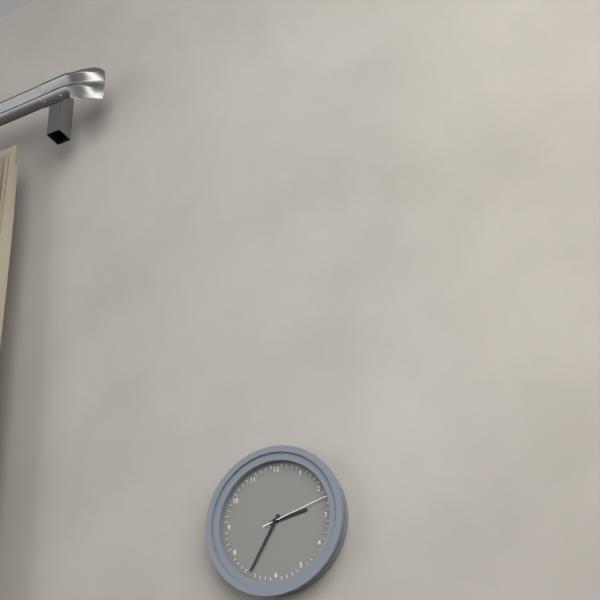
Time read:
**2:35:12**
